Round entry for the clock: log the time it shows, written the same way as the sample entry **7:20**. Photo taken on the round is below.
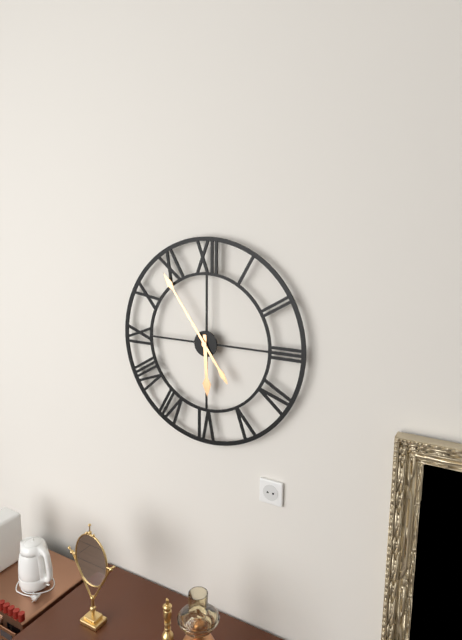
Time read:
**5:54**
